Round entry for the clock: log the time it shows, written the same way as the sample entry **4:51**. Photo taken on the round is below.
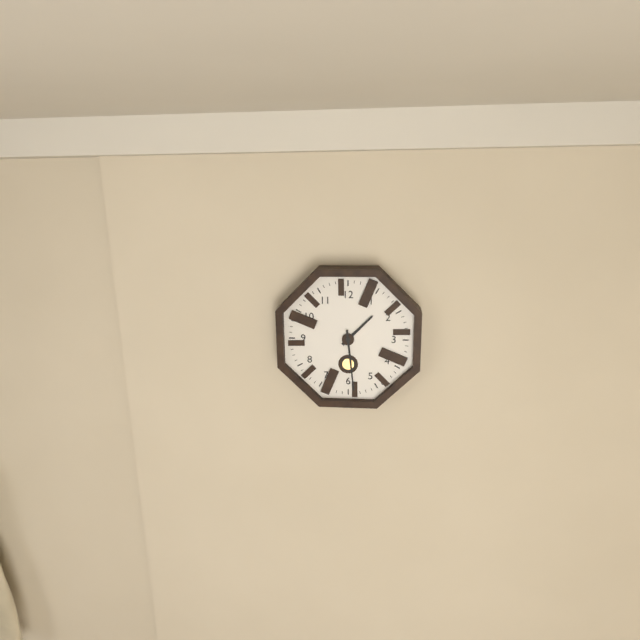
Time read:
**1:29**
